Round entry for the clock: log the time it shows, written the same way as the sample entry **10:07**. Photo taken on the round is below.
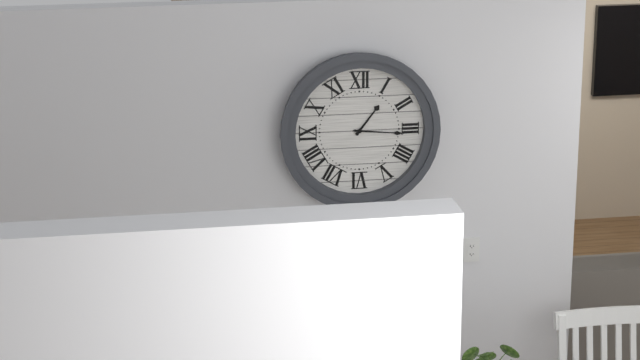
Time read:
**1:16**
